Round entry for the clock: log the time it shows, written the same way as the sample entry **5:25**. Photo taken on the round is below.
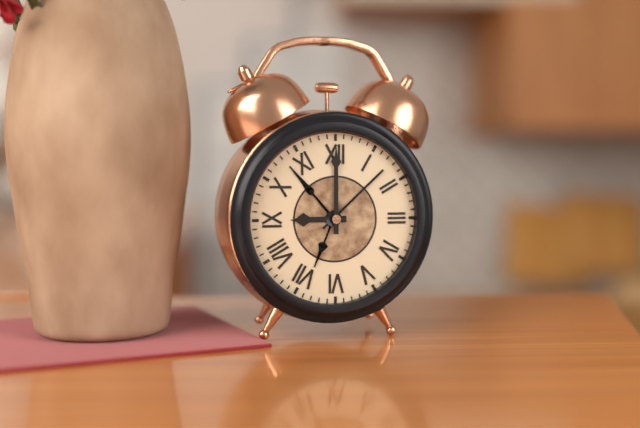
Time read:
**9:00**
